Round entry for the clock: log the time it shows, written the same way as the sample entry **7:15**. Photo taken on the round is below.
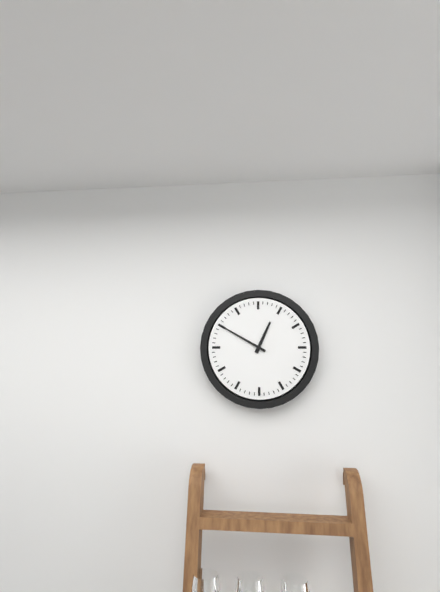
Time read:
**12:50**
